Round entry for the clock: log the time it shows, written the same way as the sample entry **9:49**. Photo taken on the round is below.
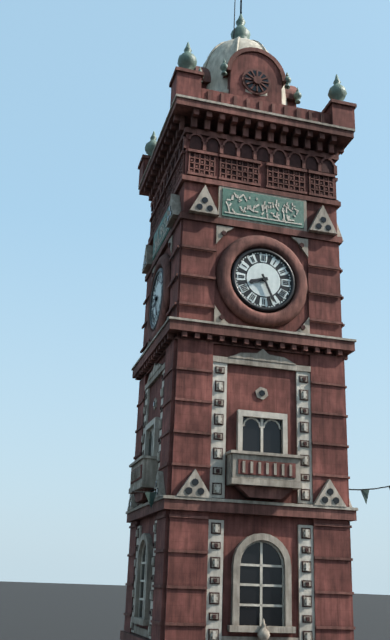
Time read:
**8:26**
